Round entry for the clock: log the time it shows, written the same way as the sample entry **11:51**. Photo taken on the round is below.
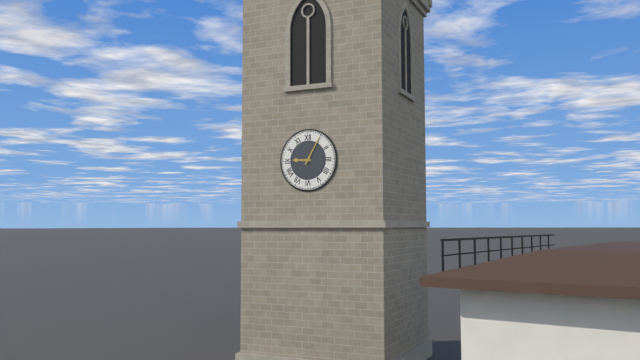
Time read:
**9:05**
